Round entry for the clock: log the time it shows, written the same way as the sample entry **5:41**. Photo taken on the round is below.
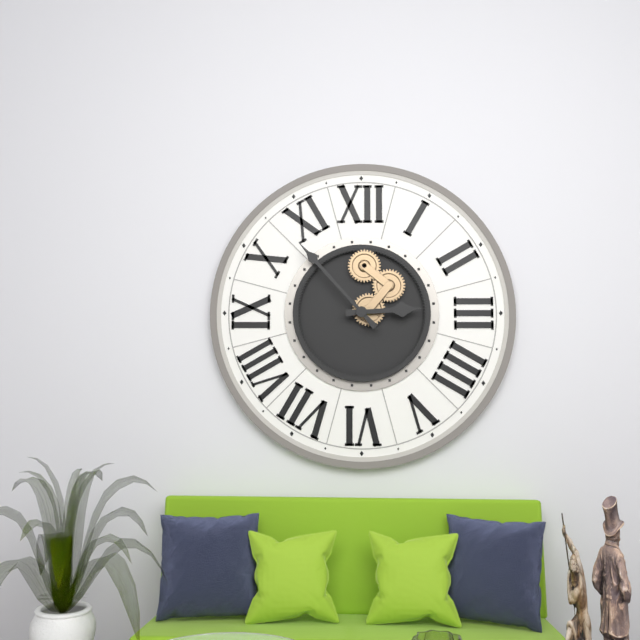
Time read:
**2:53**
